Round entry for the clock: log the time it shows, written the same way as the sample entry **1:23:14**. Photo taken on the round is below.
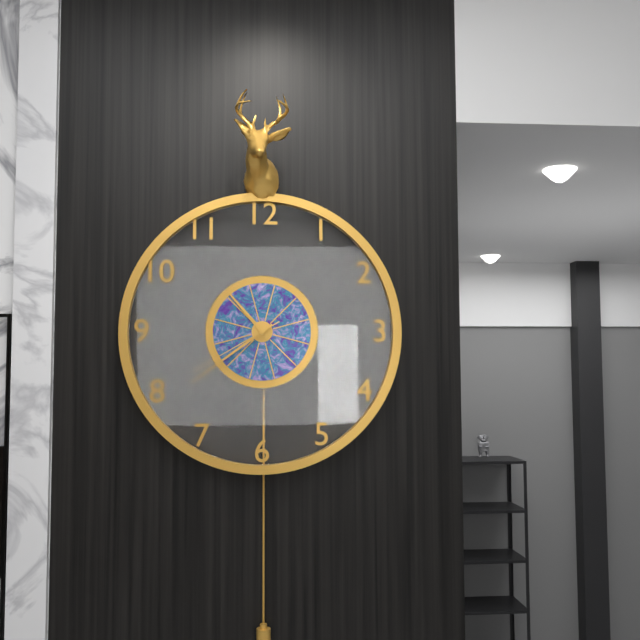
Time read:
**10:39:40**
